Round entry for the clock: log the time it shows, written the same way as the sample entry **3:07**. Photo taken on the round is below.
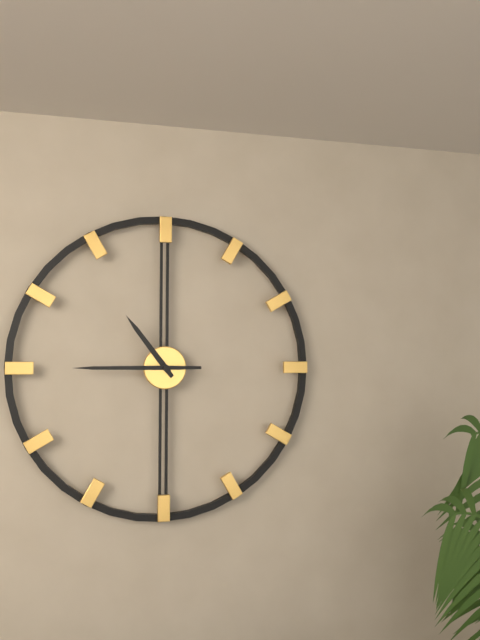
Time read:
**10:45**
